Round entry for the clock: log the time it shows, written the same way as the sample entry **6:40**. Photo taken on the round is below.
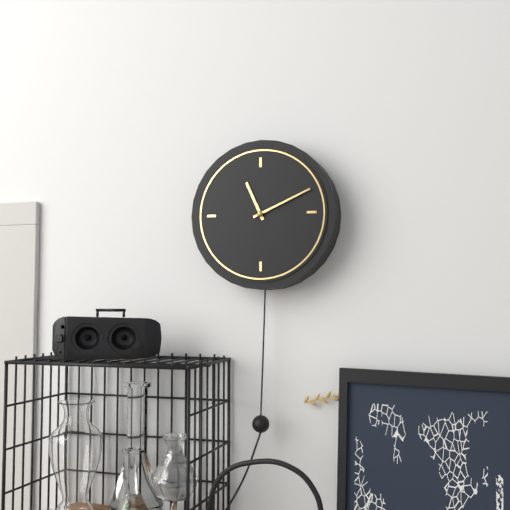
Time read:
**11:11**
